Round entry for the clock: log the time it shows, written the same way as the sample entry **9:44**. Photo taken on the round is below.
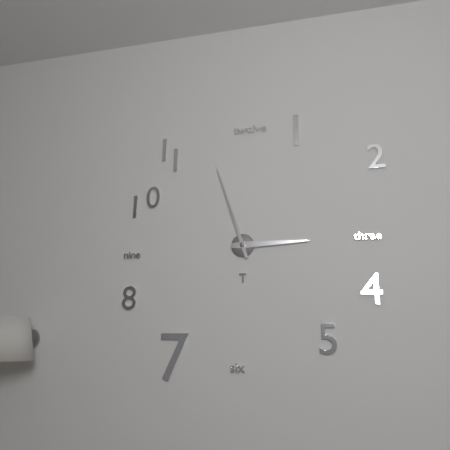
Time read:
**2:57**
